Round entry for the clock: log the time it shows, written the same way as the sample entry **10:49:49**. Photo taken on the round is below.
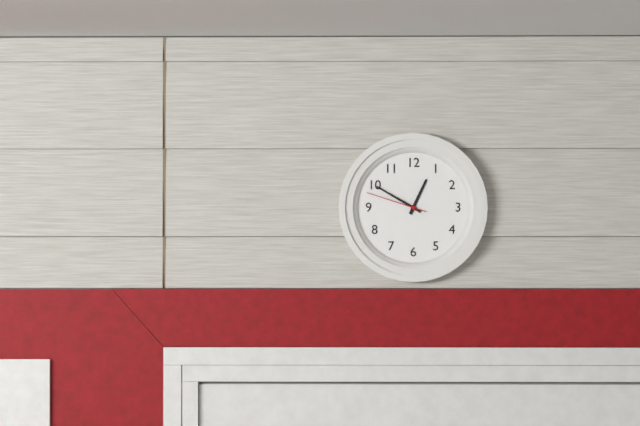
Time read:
**12:50:48**
